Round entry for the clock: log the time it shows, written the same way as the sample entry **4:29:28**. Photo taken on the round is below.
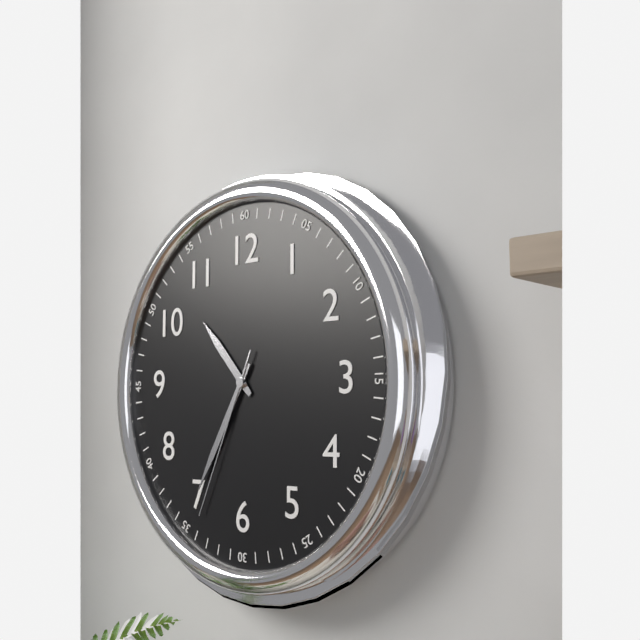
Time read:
**10:35:34**
